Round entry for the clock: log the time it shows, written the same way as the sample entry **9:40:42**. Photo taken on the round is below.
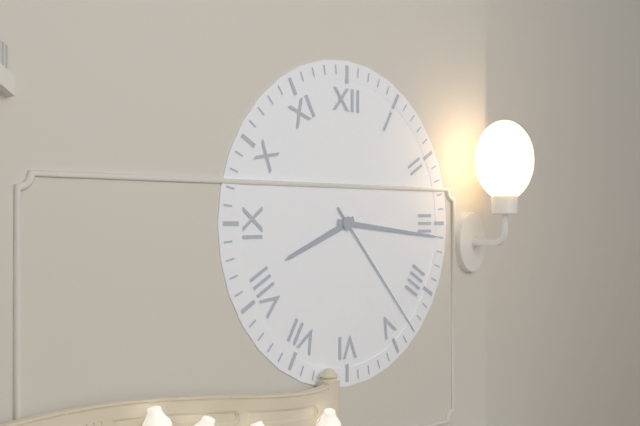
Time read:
**8:16:23**
